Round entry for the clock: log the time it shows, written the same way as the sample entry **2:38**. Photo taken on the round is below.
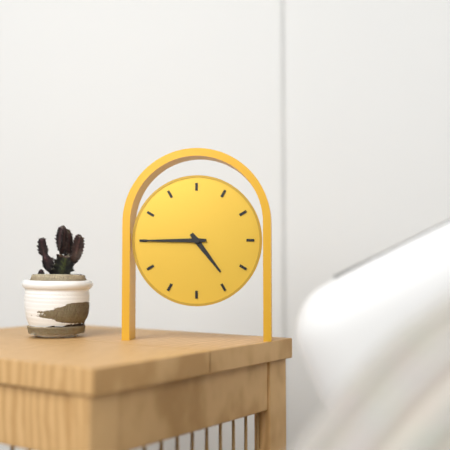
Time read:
**4:45**
